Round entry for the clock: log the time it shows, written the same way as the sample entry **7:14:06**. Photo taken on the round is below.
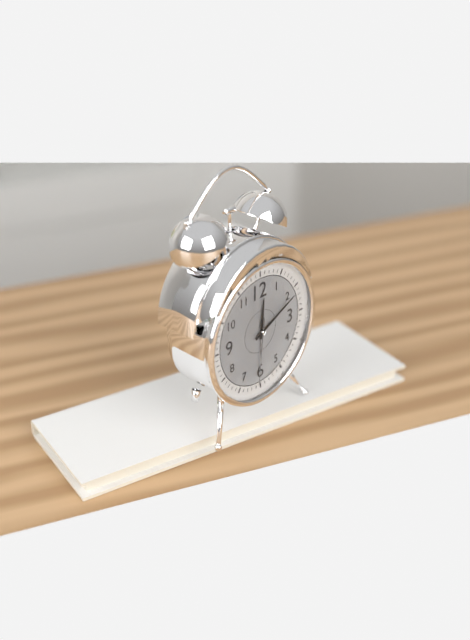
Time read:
**12:11:31**
